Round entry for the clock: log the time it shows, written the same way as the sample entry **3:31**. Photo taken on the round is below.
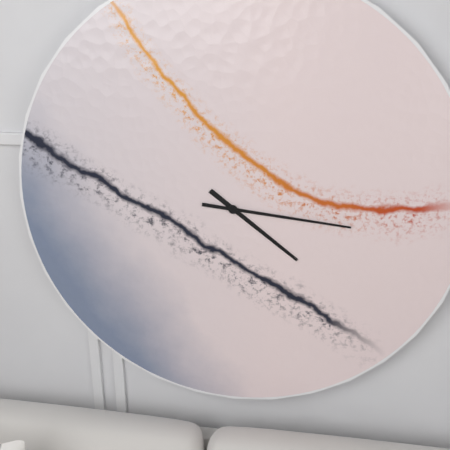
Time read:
**4:16**
